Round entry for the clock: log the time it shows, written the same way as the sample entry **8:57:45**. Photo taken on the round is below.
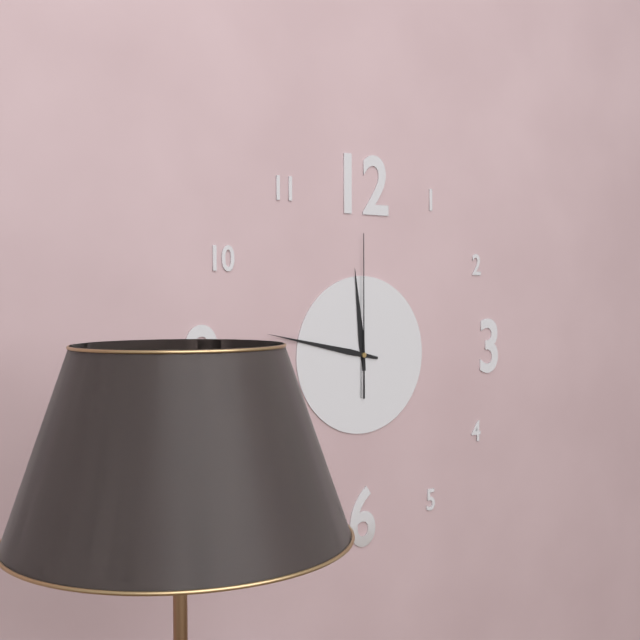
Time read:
**11:47:00**
